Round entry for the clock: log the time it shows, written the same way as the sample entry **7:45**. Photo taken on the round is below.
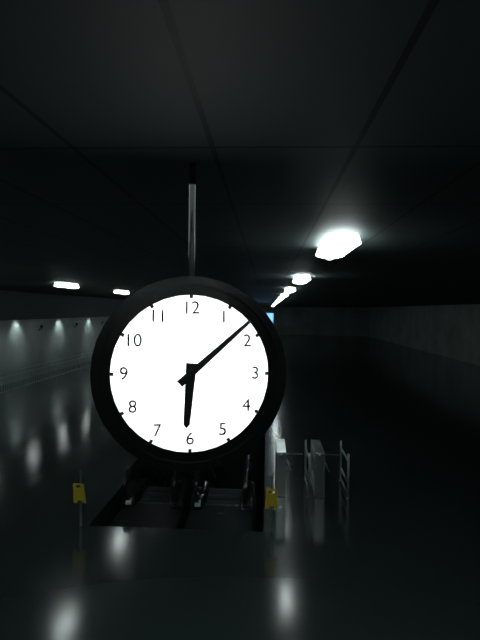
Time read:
**6:08**
